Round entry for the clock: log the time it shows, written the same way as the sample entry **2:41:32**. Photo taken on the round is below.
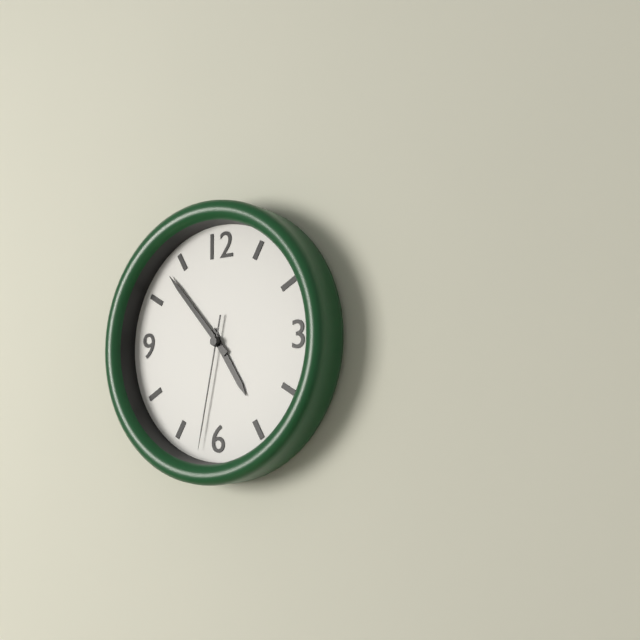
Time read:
**4:53:32**
